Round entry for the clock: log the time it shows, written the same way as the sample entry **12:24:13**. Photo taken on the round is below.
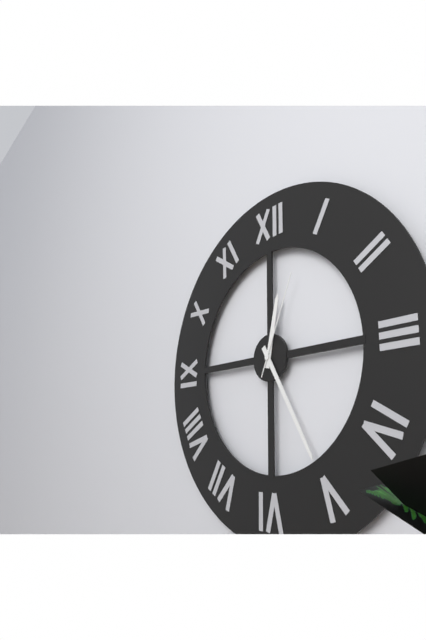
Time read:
**12:25:04**
